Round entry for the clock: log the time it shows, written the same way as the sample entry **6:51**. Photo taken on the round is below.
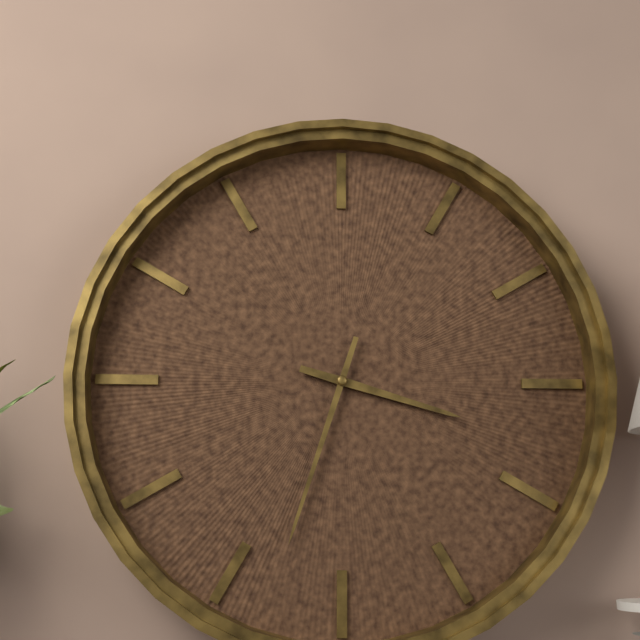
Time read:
**3:33**
